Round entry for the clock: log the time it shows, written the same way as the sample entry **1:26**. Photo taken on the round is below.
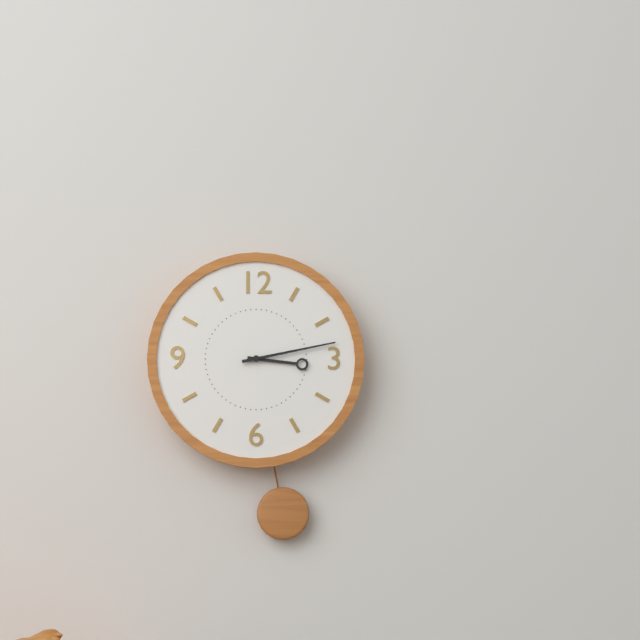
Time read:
**3:13**
